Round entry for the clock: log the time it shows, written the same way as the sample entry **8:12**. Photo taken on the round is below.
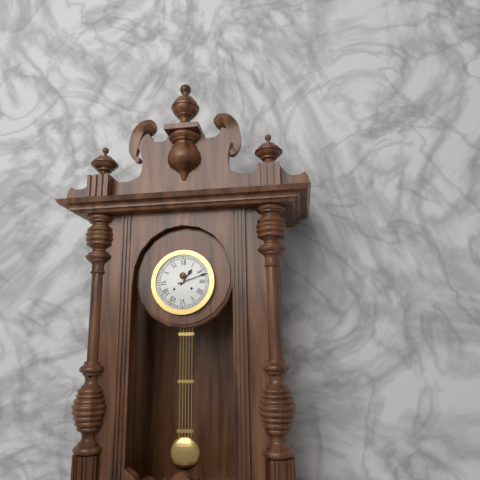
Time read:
**1:12**
